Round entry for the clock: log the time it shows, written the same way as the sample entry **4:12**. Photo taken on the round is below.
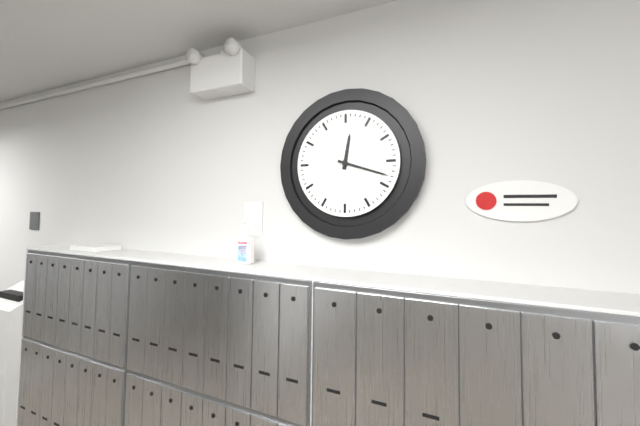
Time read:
**12:18**
